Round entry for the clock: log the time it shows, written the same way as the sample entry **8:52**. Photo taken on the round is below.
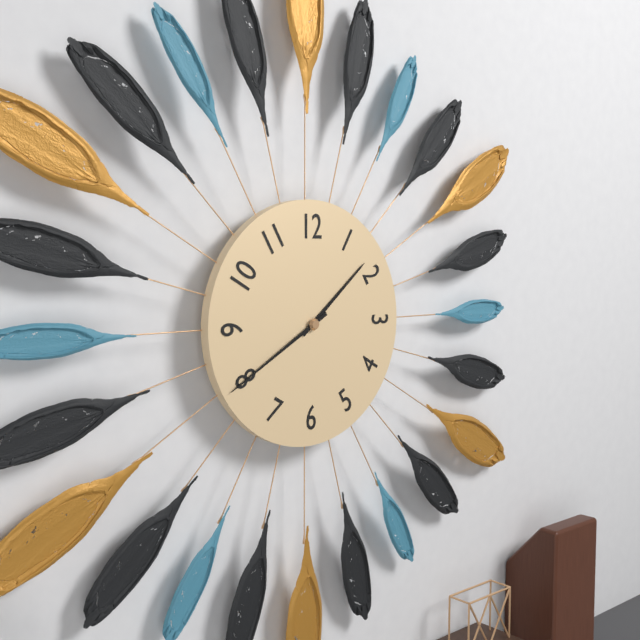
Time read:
**1:40**
